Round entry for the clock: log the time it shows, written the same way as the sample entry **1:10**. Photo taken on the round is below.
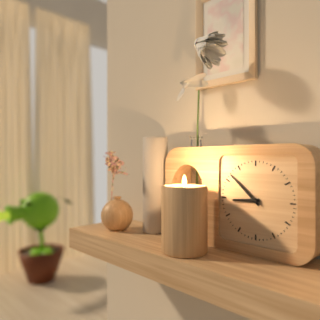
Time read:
**8:52**
